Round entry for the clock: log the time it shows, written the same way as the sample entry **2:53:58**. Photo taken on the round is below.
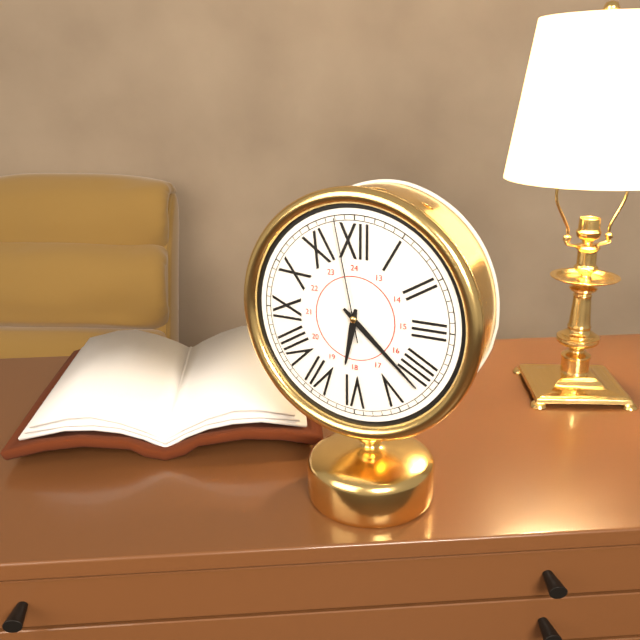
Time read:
**6:22:58**
